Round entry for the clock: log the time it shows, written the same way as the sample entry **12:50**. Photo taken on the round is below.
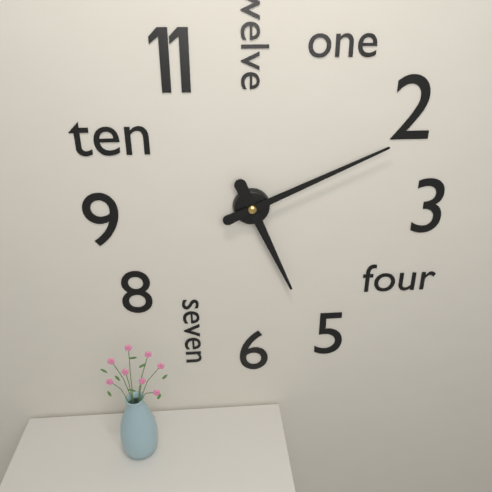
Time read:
**5:11**
